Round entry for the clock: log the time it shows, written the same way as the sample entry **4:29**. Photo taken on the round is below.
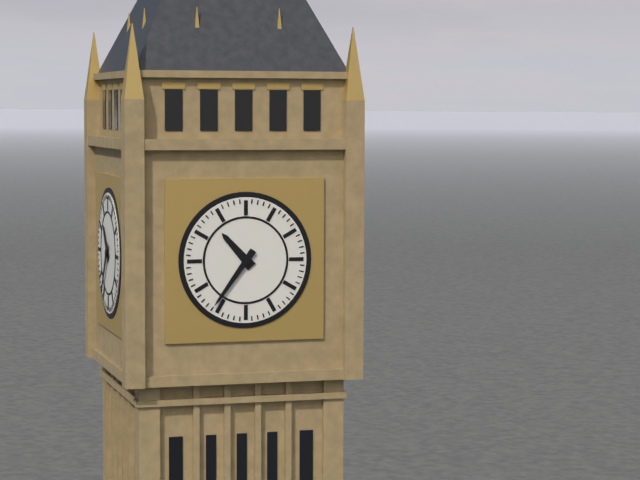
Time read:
**10:36**
